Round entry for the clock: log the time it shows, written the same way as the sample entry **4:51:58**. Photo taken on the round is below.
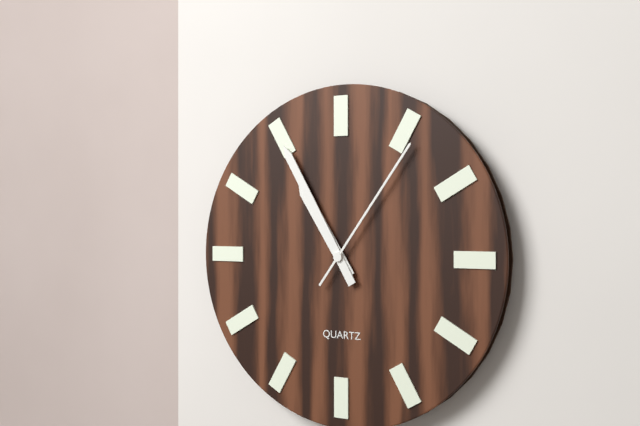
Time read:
**10:55:06**
